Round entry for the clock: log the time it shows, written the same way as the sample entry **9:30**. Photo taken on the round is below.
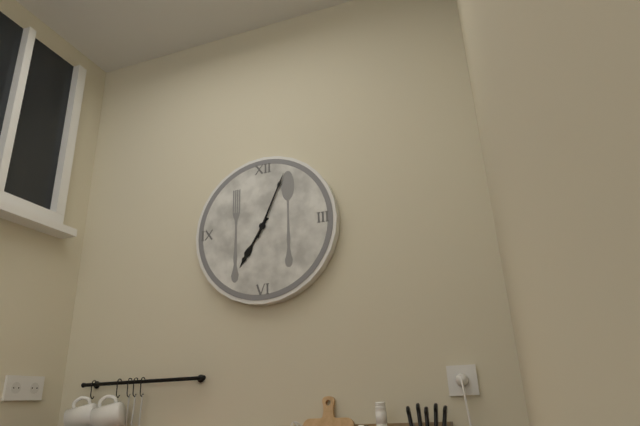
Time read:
**7:04**
